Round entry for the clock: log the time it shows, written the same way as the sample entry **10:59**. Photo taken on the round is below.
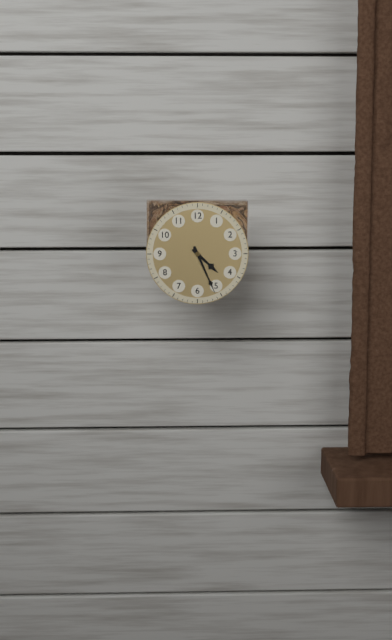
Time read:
**4:26**
